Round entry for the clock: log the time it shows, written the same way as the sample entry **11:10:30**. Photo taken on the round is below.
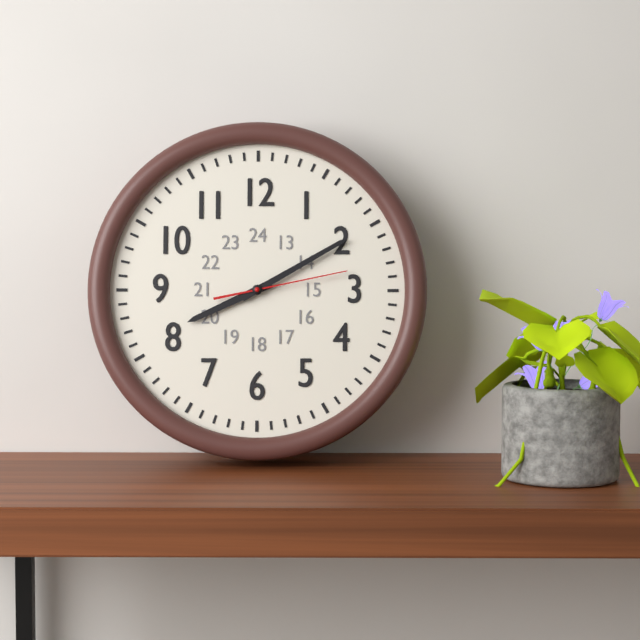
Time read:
**8:10:13**
